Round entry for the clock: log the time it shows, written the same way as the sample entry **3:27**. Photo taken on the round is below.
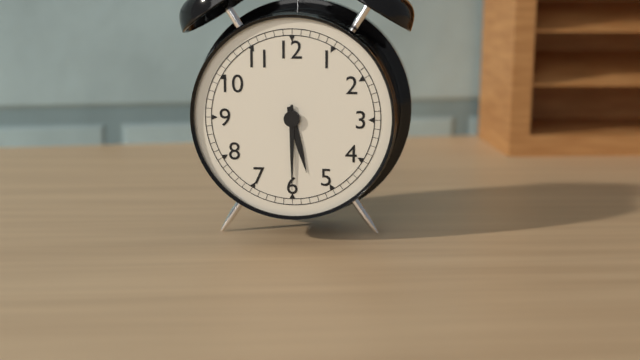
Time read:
**5:30**
